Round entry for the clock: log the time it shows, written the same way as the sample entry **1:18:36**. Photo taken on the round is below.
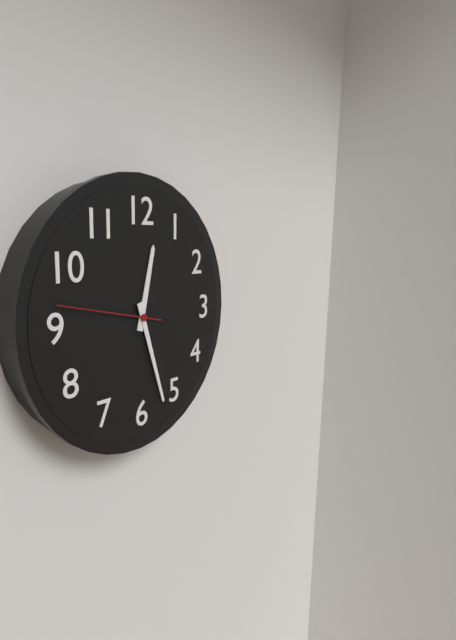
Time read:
**12:27:47**
